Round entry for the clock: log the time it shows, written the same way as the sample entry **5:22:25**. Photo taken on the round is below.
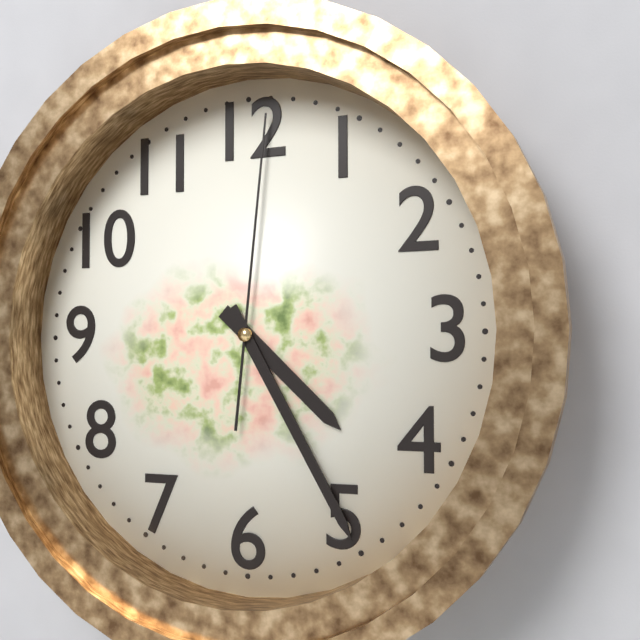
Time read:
**4:25:01**
